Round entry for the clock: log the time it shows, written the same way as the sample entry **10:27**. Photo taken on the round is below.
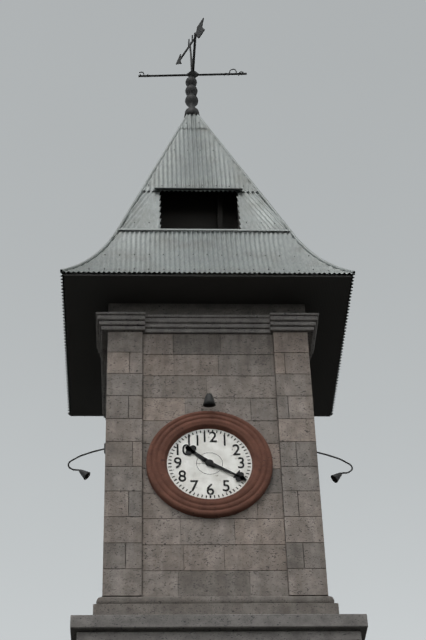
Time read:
**10:20**
